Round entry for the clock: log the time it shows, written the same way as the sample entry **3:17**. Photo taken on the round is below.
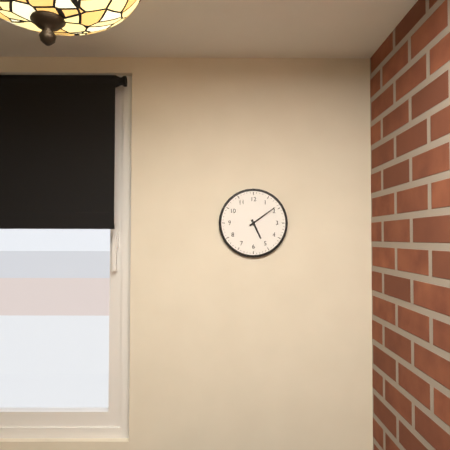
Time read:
**5:09**
